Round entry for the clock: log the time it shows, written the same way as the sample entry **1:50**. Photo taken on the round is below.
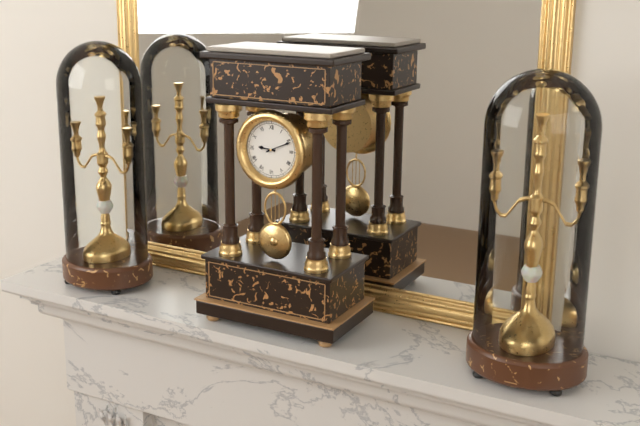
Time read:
**9:11**
